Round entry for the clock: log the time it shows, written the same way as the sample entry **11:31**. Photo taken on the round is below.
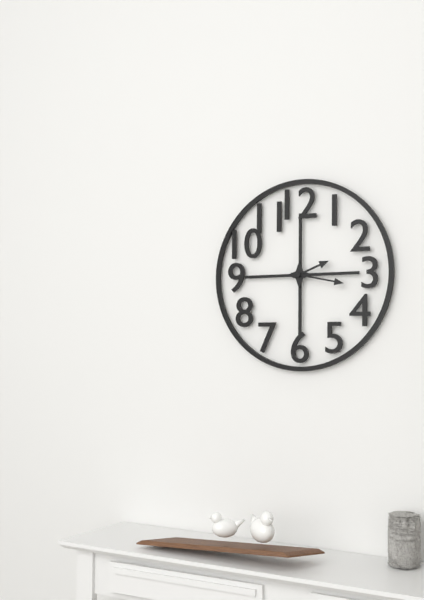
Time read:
**2:17**
